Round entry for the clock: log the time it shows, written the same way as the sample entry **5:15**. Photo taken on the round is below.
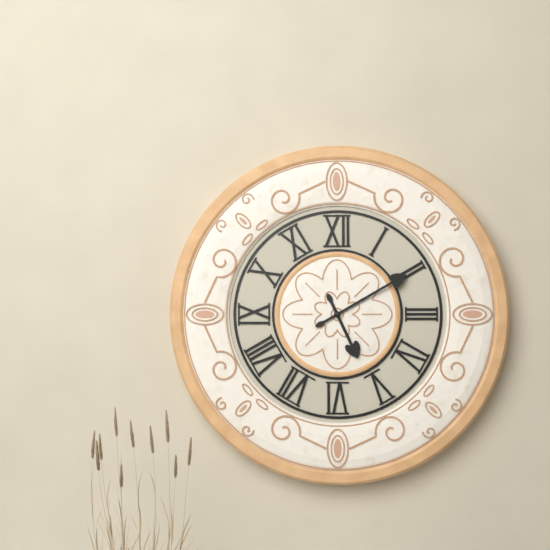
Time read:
**5:10**
